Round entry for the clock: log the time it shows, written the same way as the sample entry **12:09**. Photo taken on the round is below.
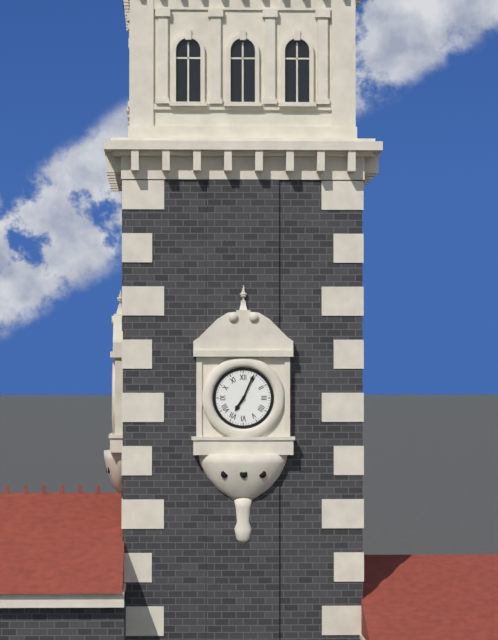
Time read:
**7:04**
